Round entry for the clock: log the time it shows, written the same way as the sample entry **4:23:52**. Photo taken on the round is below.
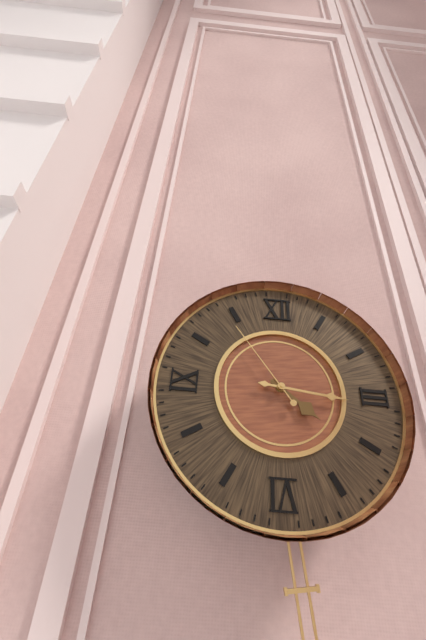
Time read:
**4:16:54**
